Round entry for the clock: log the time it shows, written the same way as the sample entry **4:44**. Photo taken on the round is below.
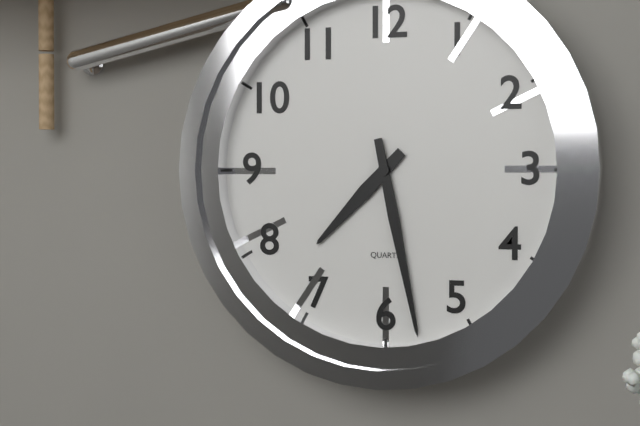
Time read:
**7:28**
